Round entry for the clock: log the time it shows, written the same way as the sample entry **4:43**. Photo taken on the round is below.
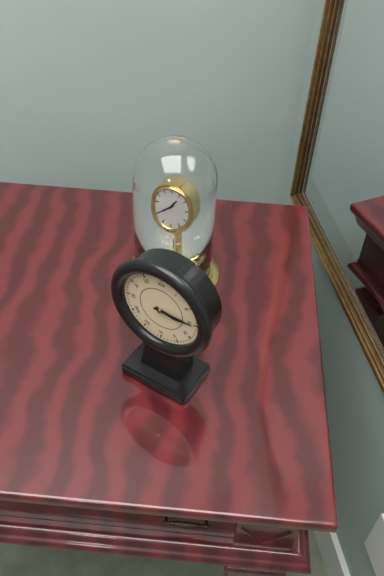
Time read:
**3:15**
